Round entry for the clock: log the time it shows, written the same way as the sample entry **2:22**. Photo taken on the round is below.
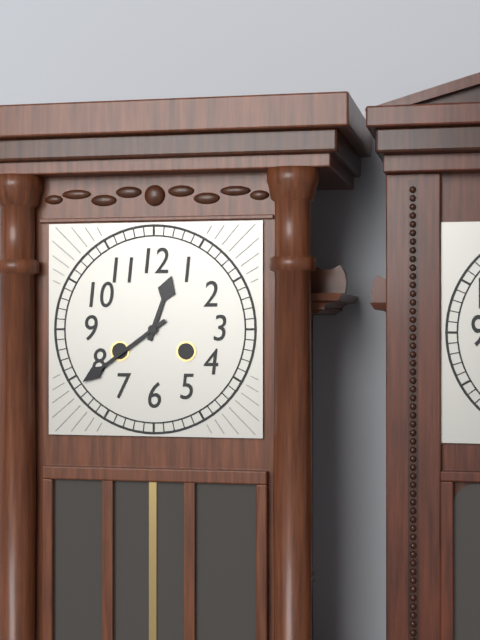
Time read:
**12:39**
